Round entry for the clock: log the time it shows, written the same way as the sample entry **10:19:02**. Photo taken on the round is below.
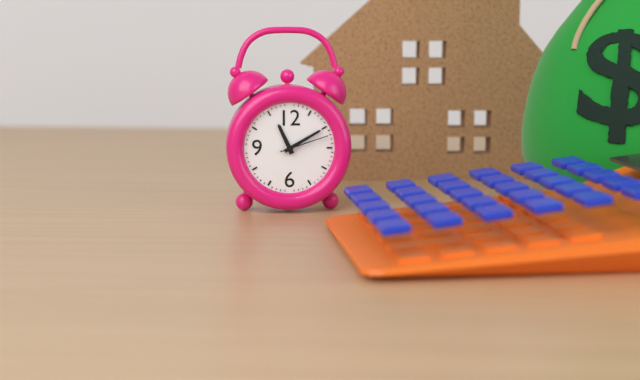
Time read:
**11:10:12**
